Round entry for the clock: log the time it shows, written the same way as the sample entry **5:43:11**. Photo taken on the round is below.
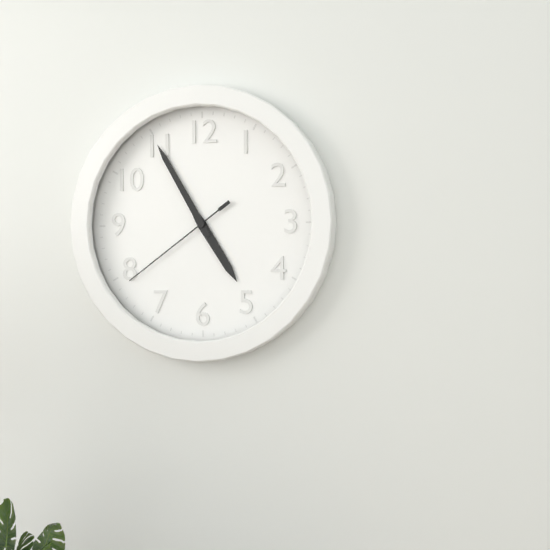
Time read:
**4:55:39**
